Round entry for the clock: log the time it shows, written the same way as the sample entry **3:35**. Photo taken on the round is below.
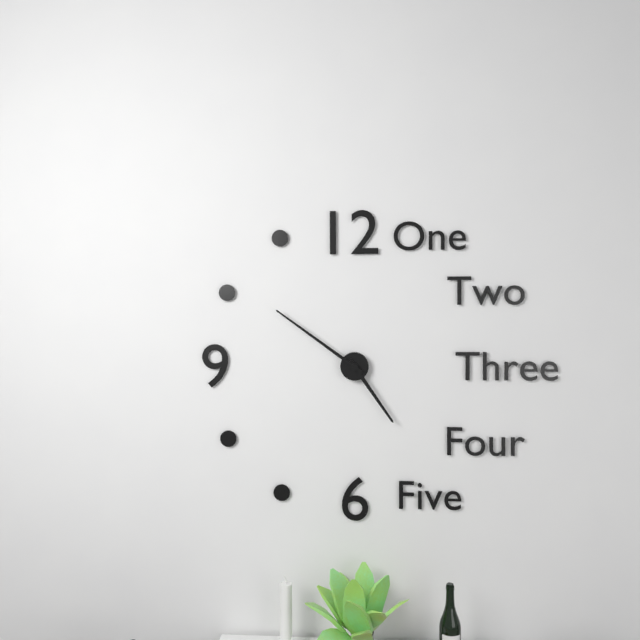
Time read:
**4:51**
